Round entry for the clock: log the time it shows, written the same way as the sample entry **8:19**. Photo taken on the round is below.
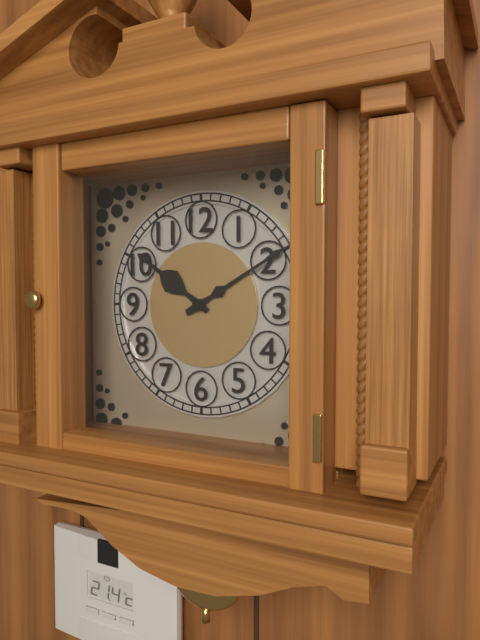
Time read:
**10:10**
